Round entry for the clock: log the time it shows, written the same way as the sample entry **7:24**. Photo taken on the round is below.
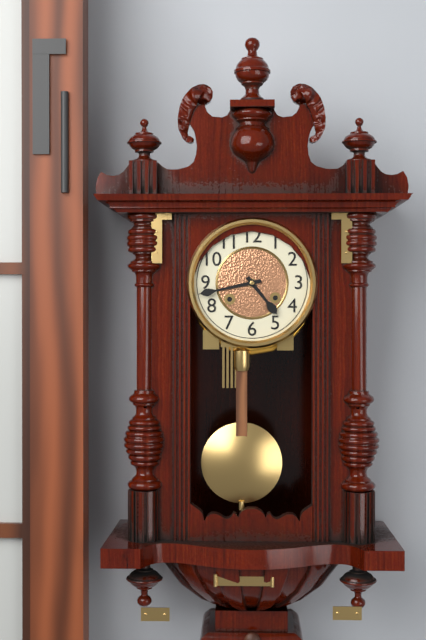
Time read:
**4:43**
